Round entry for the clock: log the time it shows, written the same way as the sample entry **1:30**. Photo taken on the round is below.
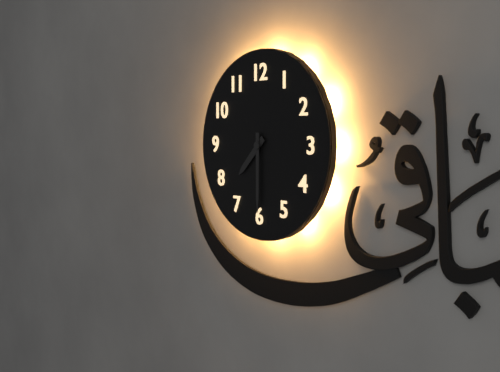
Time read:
**7:30**
